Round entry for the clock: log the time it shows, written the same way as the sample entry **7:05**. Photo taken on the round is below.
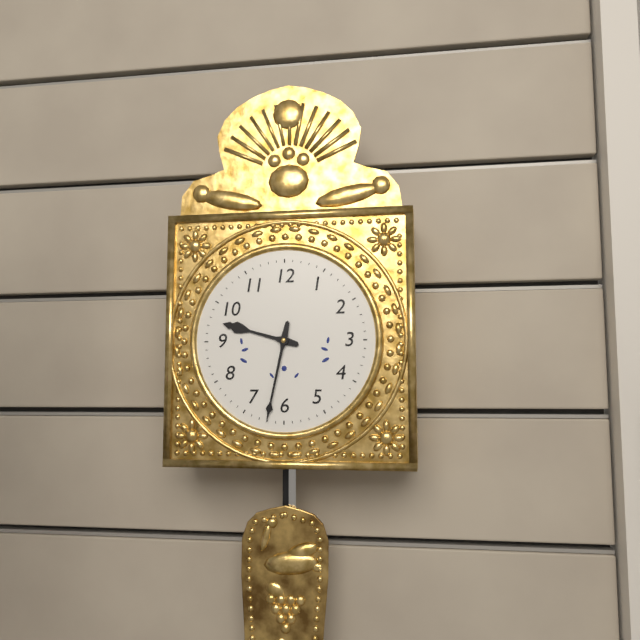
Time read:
**9:32**
